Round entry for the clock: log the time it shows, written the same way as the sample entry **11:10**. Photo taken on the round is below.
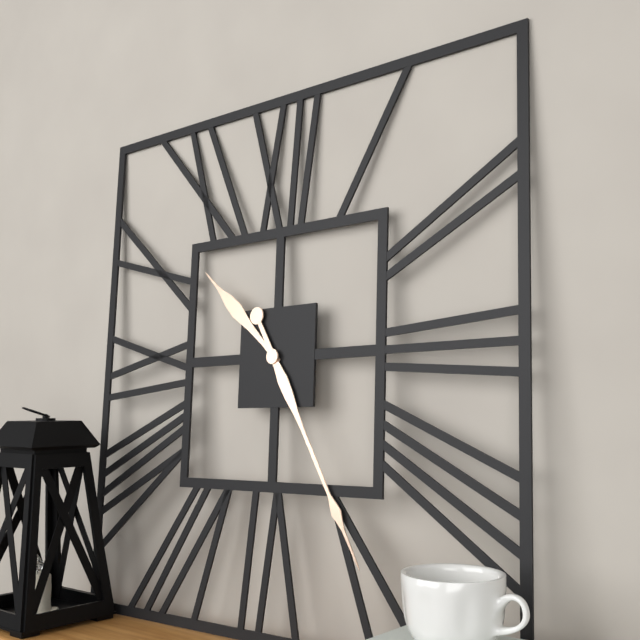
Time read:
**10:25**
